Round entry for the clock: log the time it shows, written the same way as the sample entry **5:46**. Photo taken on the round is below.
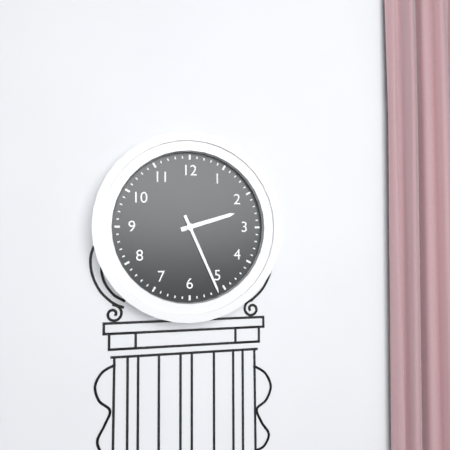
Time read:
**2:26**
